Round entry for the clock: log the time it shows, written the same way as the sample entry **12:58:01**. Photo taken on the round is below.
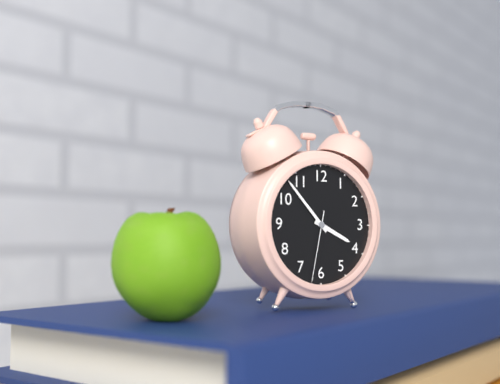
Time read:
**3:53:32**
